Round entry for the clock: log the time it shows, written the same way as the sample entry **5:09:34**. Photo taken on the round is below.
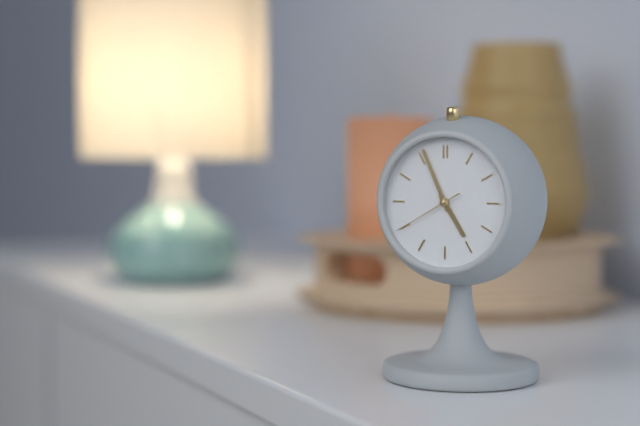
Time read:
**4:56:40**
